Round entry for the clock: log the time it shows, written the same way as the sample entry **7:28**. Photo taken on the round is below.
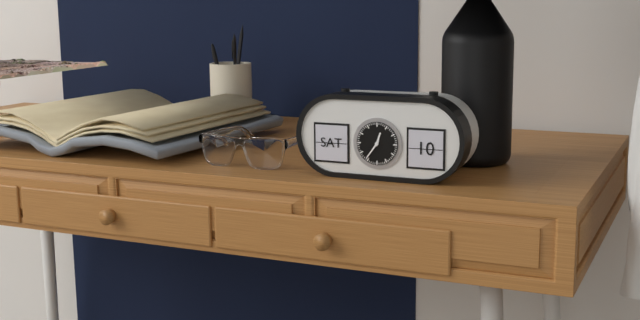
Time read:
**12:36**
